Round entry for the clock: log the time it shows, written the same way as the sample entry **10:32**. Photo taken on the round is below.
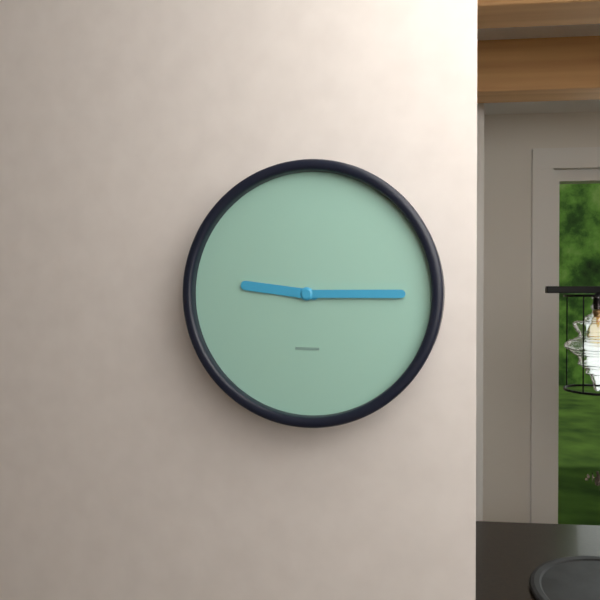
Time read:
**9:15**
